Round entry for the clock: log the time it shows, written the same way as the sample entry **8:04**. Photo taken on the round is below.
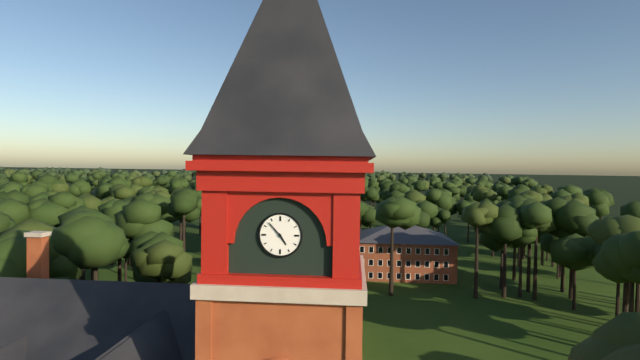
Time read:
**4:53**
